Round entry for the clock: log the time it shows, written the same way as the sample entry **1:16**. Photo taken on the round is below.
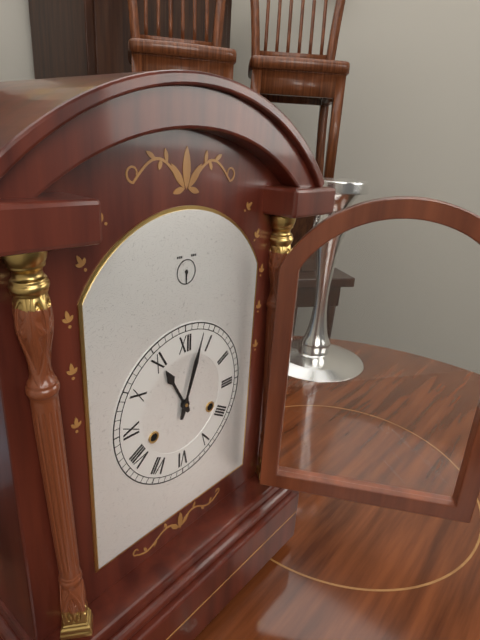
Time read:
**11:03**
